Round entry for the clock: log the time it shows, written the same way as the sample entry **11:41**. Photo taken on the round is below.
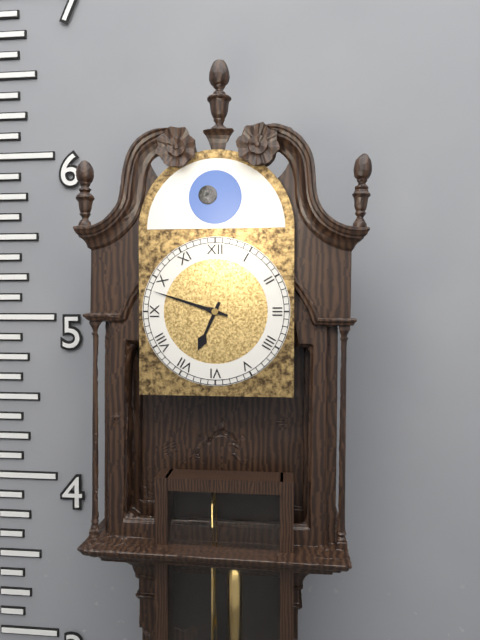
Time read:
**6:48**
